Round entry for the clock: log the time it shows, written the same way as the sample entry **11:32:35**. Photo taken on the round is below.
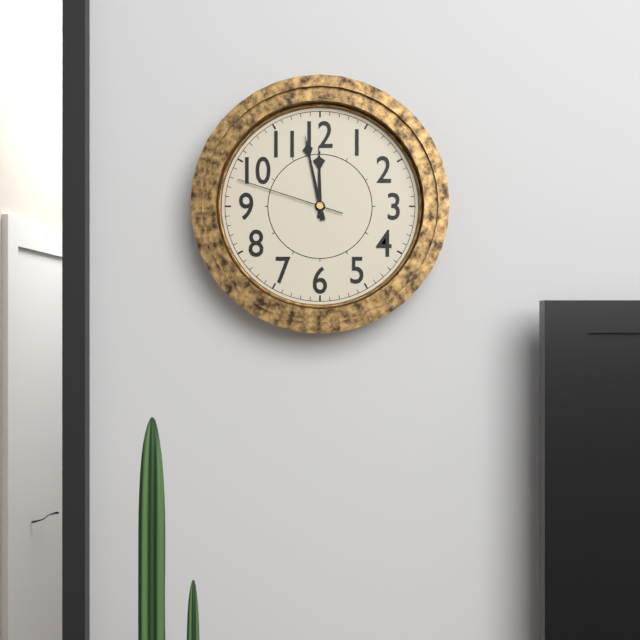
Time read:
**11:58:48**
